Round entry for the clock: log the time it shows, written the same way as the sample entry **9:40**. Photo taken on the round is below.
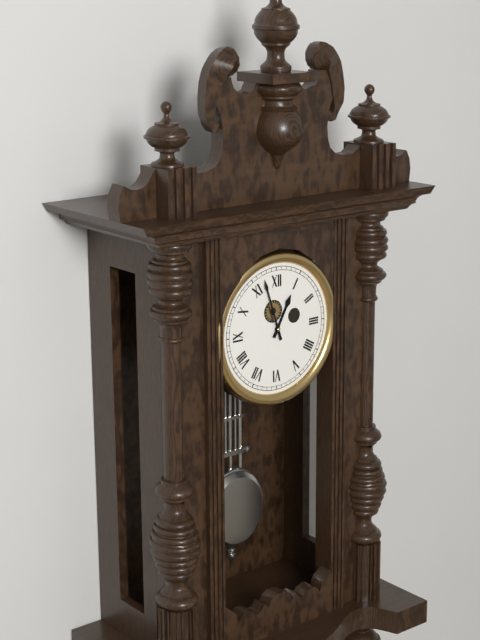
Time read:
**12:57**
